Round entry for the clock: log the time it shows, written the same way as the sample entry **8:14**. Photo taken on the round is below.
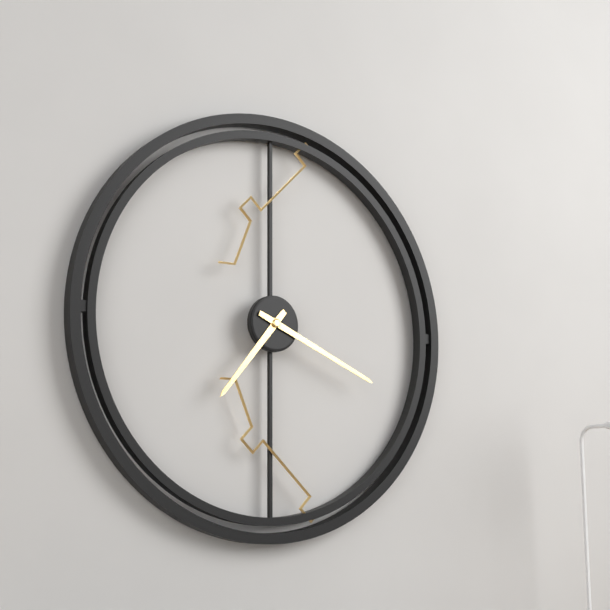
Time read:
**7:19**
